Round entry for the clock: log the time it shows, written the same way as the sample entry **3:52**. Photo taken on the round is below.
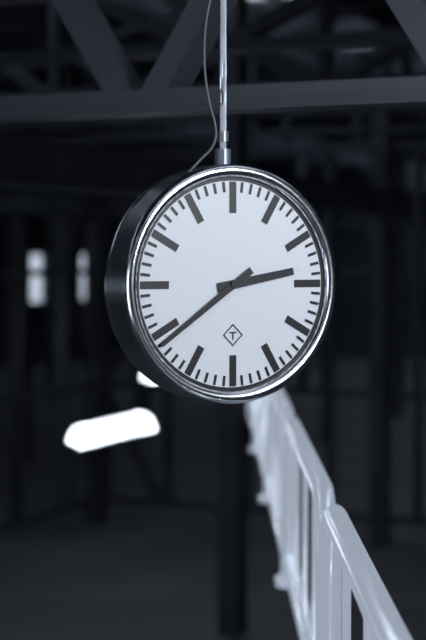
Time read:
**2:39**
